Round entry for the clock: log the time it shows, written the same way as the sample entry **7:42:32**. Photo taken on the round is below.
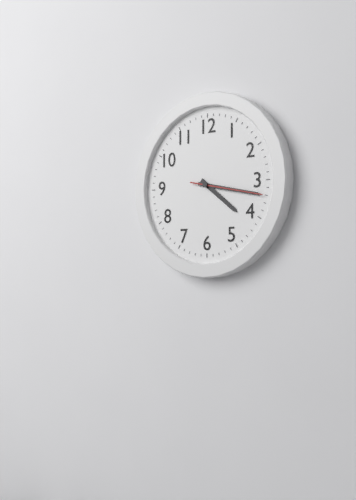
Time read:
**4:17:17**
